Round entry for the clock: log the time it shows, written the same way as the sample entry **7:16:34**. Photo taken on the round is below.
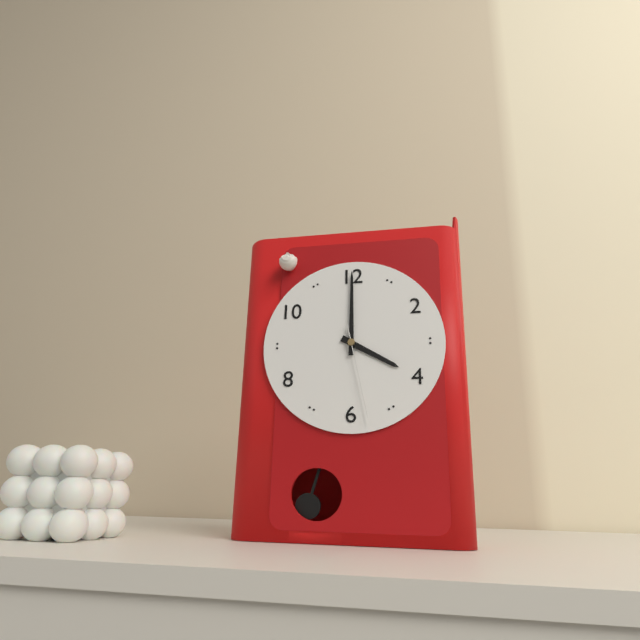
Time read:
**4:00:28**
